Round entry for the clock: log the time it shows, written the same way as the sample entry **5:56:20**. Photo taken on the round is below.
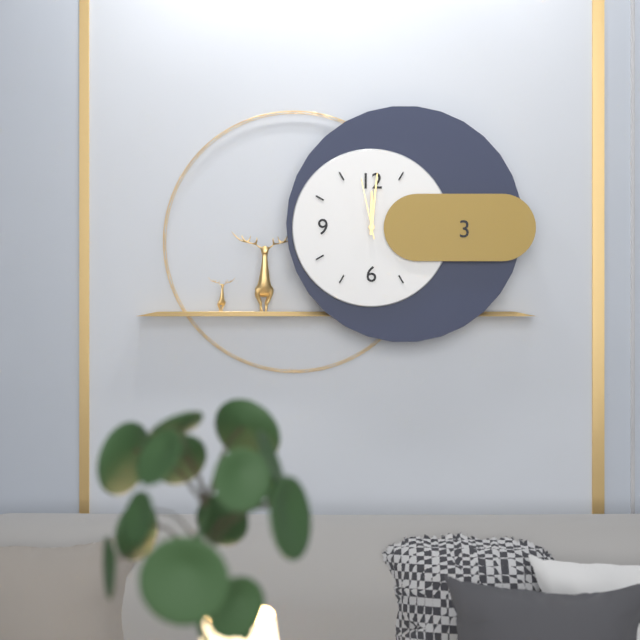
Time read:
**12:01:58**
